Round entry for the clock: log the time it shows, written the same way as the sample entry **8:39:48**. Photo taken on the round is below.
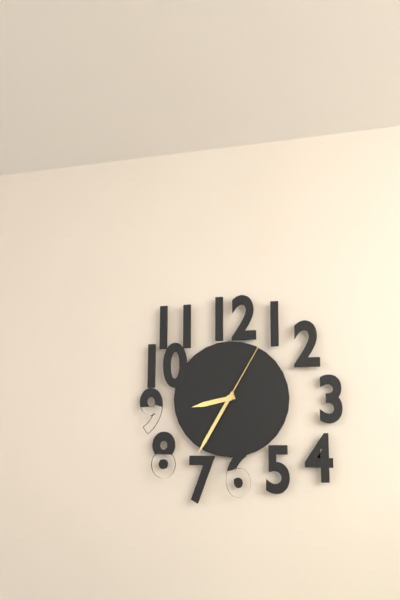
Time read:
**8:35:05**
